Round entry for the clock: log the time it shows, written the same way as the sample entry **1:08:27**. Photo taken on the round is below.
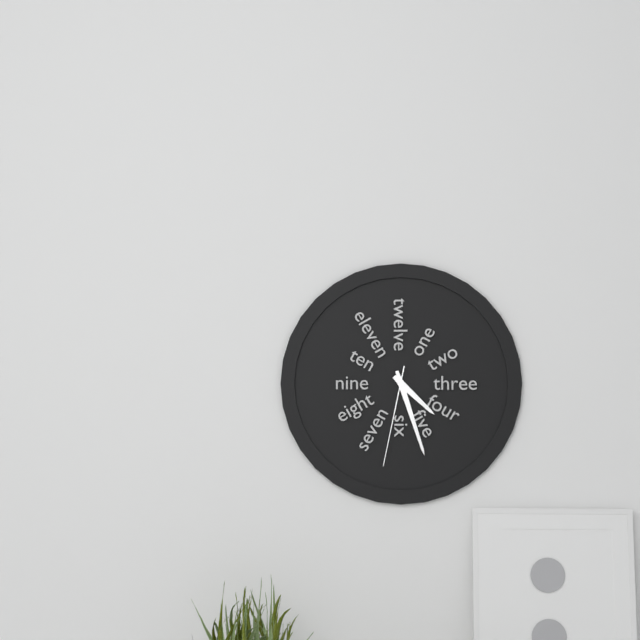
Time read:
**4:27:32**
